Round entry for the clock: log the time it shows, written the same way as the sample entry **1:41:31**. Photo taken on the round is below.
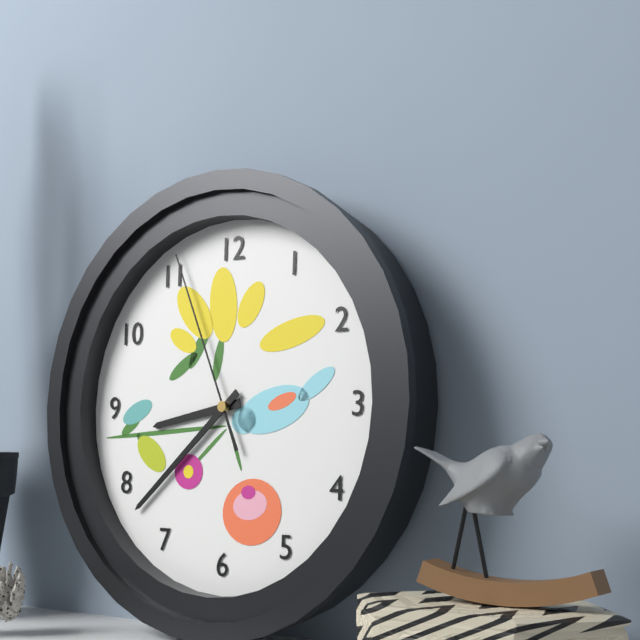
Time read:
**8:38:56**
